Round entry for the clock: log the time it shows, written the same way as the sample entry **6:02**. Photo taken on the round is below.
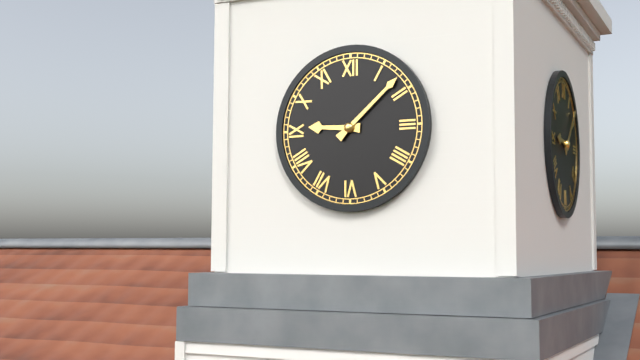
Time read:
**9:08**
